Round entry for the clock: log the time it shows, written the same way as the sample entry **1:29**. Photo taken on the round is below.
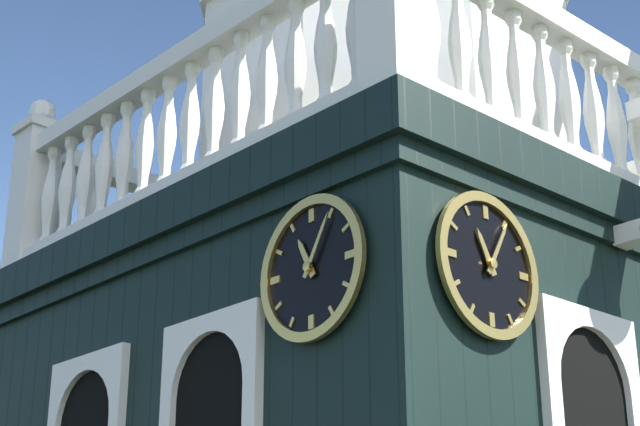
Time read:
**11:05**
